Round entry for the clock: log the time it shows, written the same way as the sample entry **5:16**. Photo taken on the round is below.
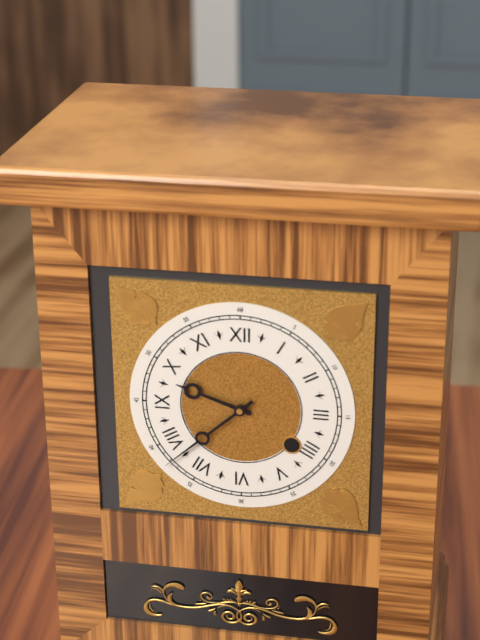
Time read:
**9:38**
